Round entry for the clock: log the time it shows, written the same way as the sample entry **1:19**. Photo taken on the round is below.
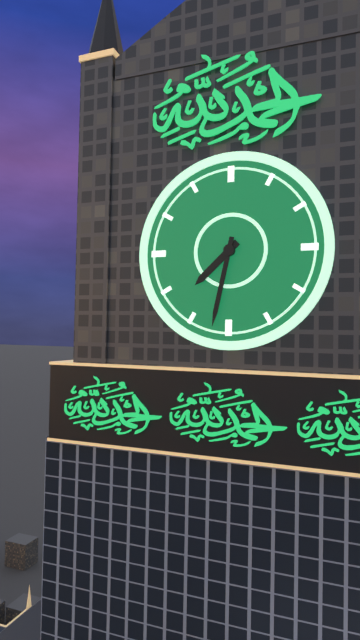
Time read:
**7:32**
